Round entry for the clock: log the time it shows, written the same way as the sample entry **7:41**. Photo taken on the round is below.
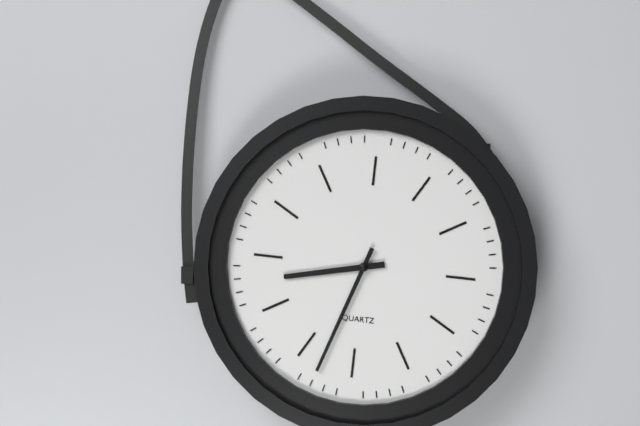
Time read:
**8:33**
